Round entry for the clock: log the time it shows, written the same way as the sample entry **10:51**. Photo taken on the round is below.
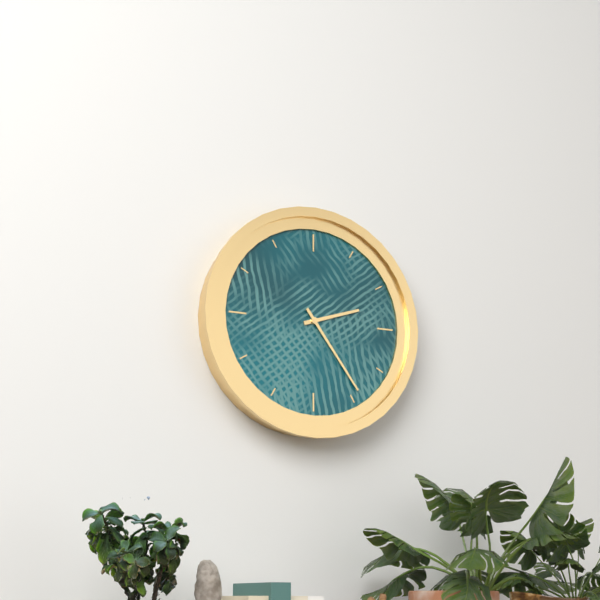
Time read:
**2:24**
